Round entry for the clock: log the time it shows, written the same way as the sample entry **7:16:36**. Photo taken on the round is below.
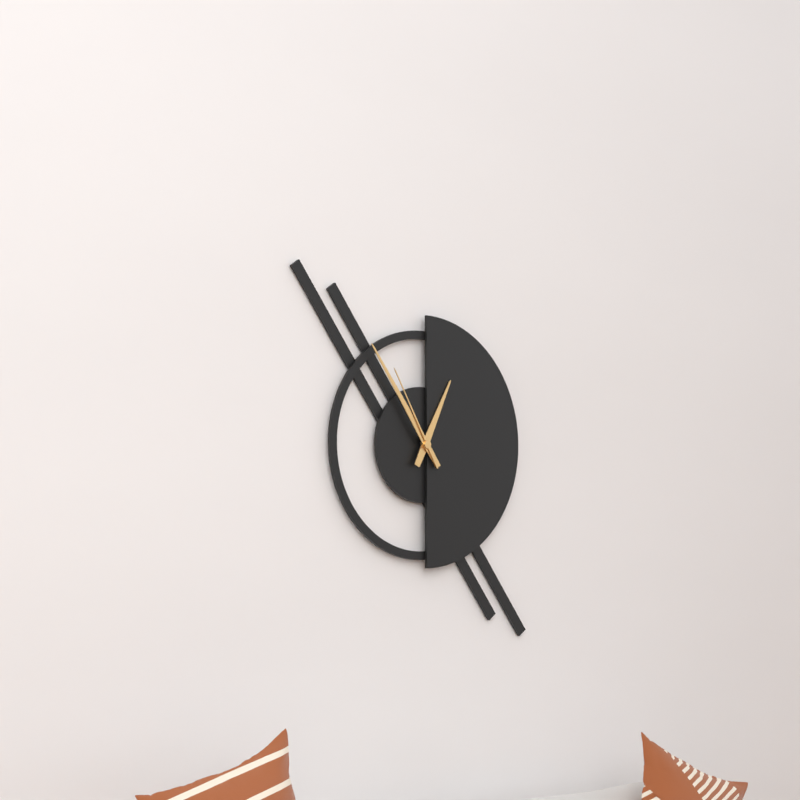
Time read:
**12:54:55**
